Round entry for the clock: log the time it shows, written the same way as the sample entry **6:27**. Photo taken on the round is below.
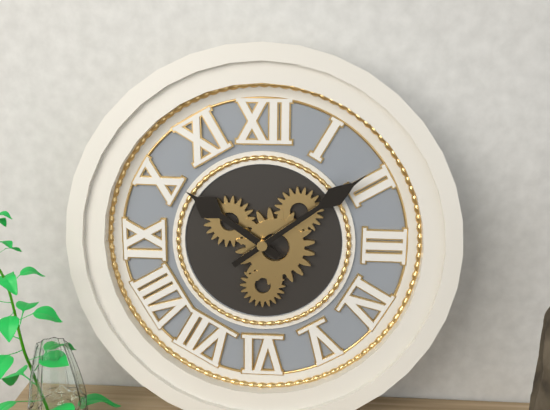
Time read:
**10:09**
